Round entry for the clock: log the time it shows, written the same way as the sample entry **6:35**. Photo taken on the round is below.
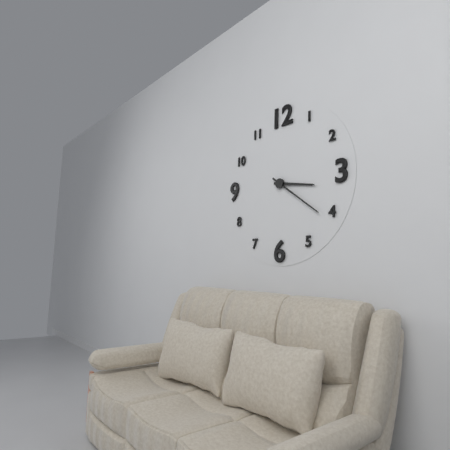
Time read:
**3:21**
